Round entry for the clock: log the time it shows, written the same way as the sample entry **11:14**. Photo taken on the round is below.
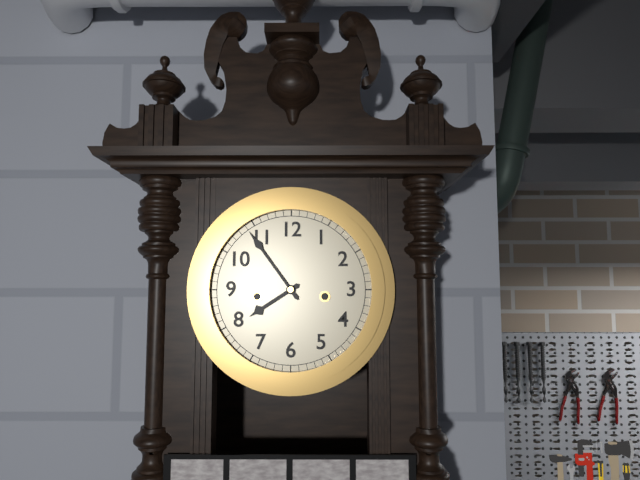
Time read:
**7:54**
